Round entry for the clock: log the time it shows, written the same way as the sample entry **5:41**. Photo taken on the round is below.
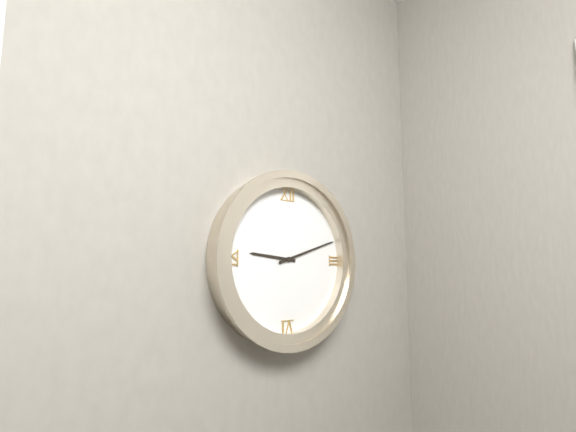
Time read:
**9:12**
